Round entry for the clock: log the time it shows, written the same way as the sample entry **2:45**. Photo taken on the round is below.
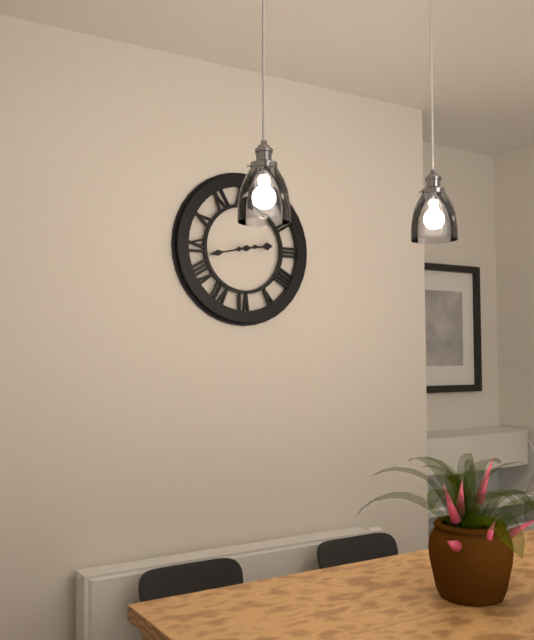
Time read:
**2:43**
